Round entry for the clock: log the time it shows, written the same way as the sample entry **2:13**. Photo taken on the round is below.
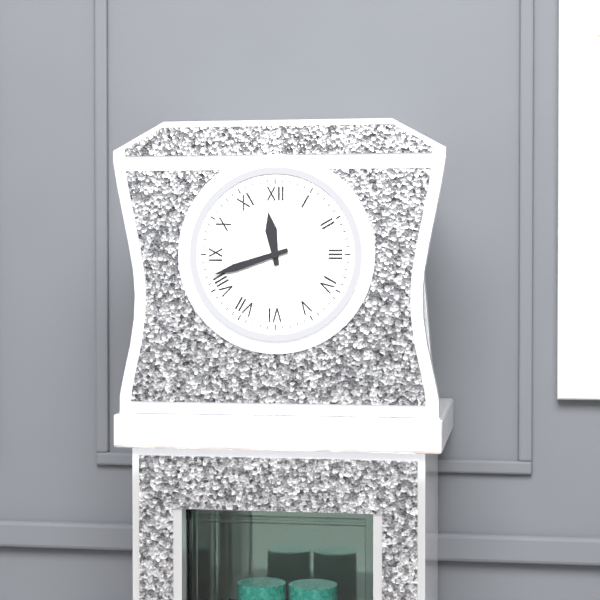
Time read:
**11:42**
